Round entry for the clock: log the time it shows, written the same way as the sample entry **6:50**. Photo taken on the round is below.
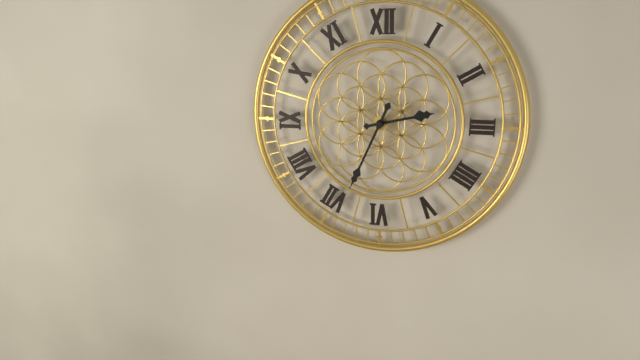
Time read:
**2:34**
